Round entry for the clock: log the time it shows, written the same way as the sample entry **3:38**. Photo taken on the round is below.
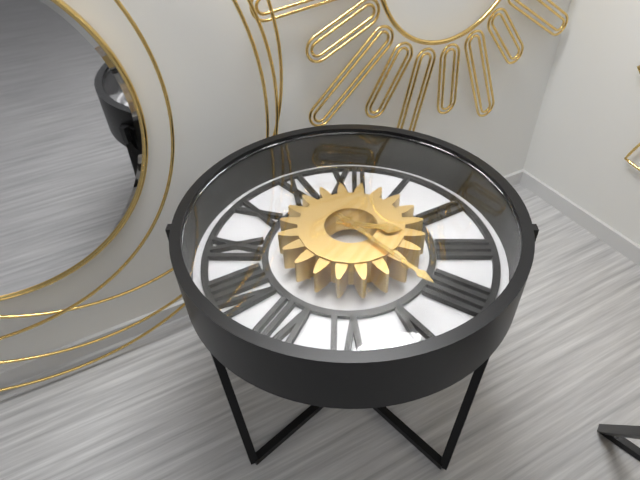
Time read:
**3:23**
